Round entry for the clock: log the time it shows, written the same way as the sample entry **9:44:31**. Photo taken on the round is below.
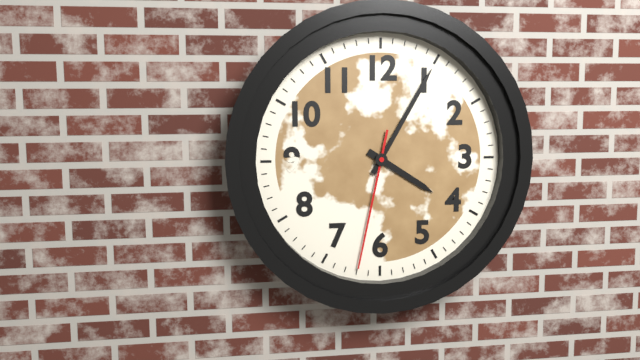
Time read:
**4:05:32**
